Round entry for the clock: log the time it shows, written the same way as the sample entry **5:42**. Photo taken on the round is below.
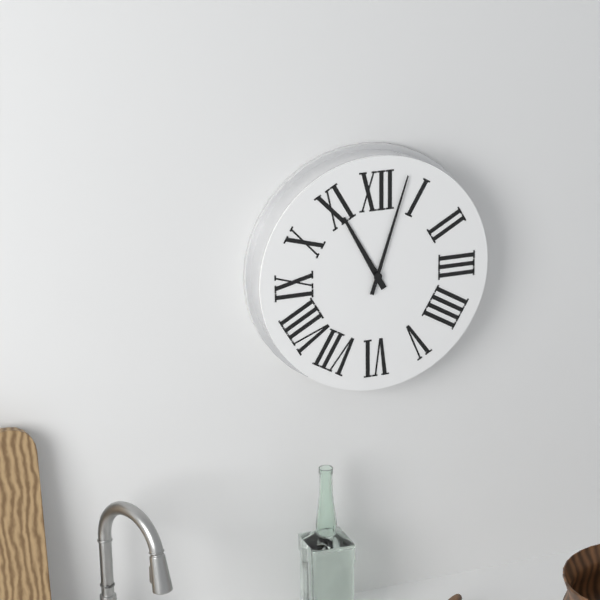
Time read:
**11:03**
